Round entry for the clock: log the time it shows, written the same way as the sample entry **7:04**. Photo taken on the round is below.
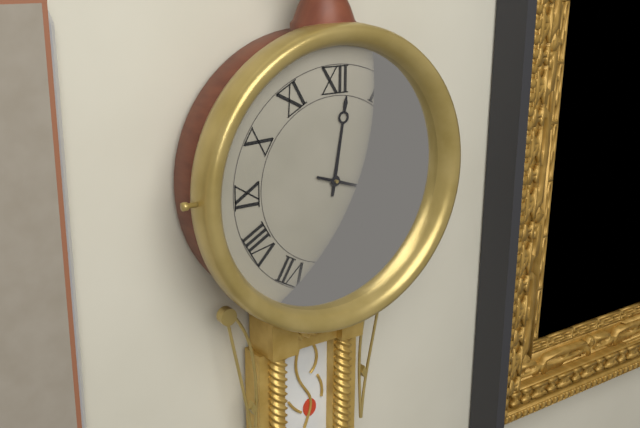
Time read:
**12:18**
